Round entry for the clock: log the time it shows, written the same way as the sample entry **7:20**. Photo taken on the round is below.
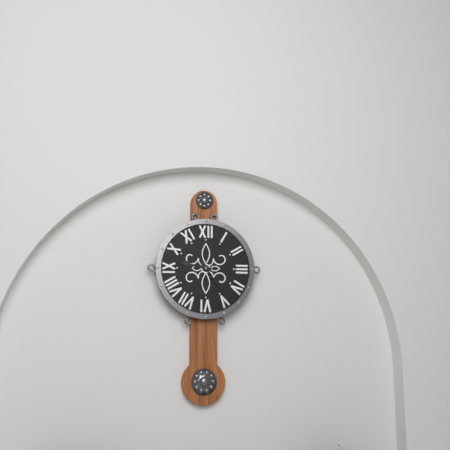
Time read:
**9:24**
